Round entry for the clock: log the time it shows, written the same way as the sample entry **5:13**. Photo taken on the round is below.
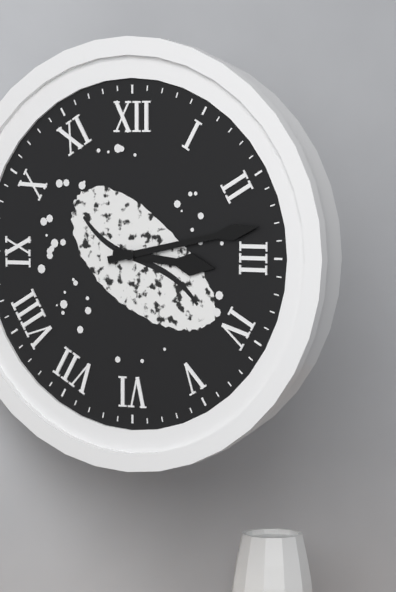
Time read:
**3:13**
